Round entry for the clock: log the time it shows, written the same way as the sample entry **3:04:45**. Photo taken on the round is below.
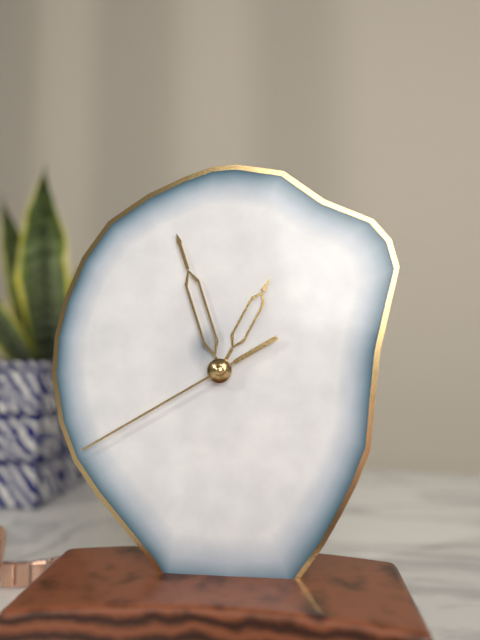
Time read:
**12:57:40**
